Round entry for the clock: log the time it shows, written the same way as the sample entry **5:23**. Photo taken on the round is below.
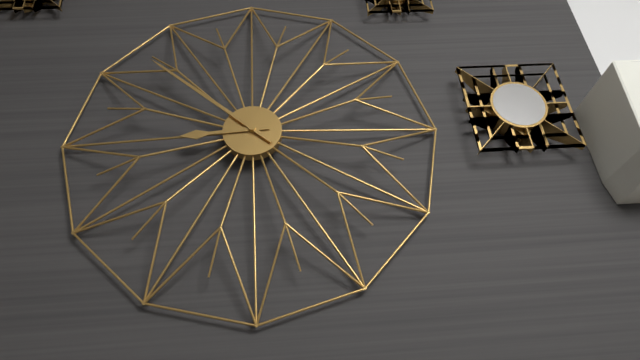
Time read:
**8:52**
